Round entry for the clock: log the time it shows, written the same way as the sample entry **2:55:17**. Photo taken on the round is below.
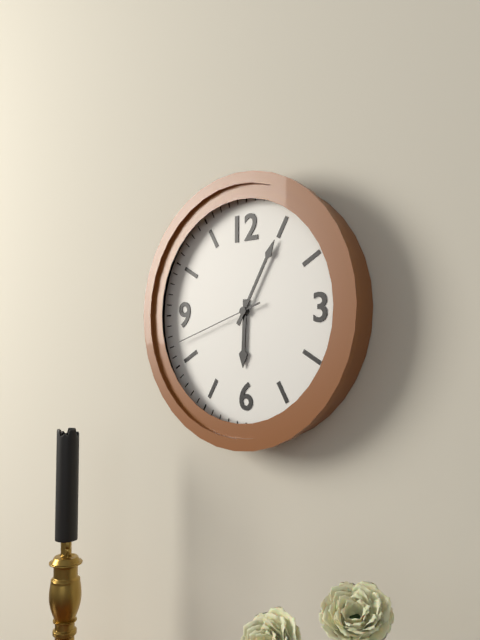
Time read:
**6:05:42**
